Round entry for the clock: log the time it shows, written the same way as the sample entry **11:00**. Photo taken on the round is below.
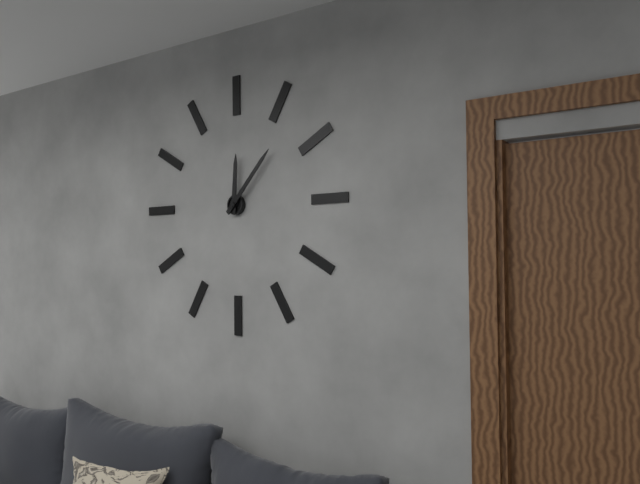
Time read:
**12:07**
